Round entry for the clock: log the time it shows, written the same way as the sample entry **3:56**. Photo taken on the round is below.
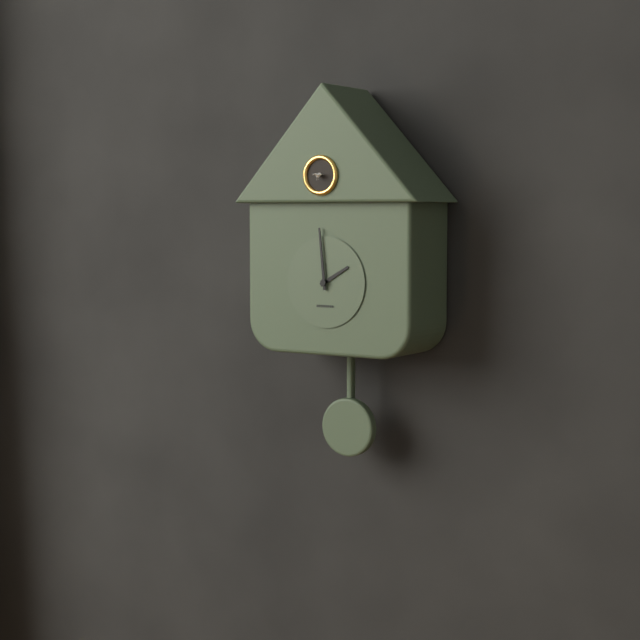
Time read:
**1:59**
